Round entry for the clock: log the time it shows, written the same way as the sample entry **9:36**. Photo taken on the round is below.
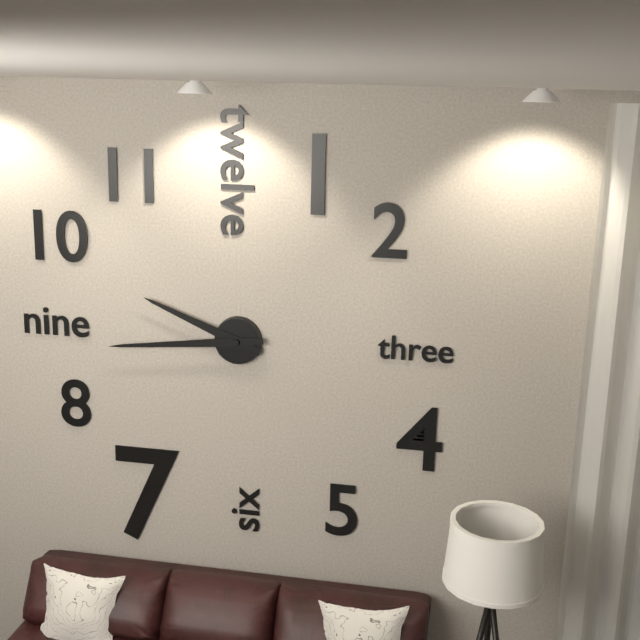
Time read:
**9:44**
